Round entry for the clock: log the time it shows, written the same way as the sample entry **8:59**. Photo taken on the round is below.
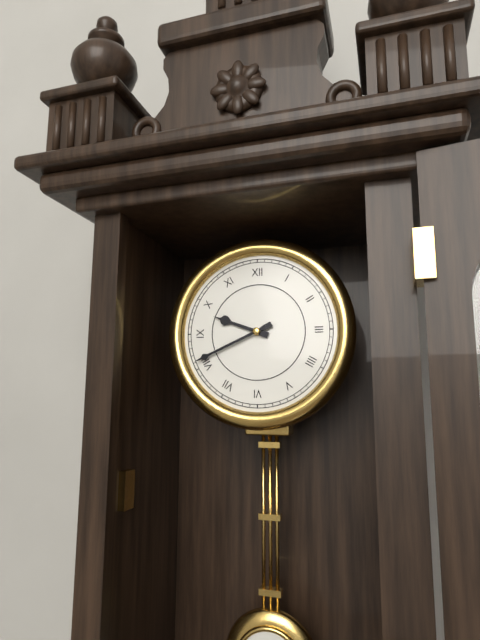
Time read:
**9:41**
